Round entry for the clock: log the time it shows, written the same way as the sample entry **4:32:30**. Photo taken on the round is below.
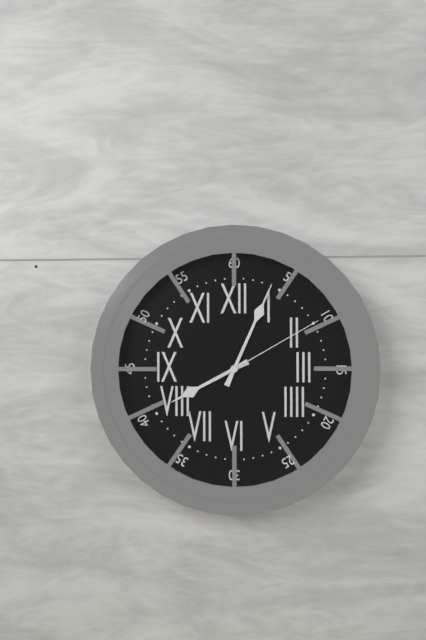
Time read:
**8:04:10**
